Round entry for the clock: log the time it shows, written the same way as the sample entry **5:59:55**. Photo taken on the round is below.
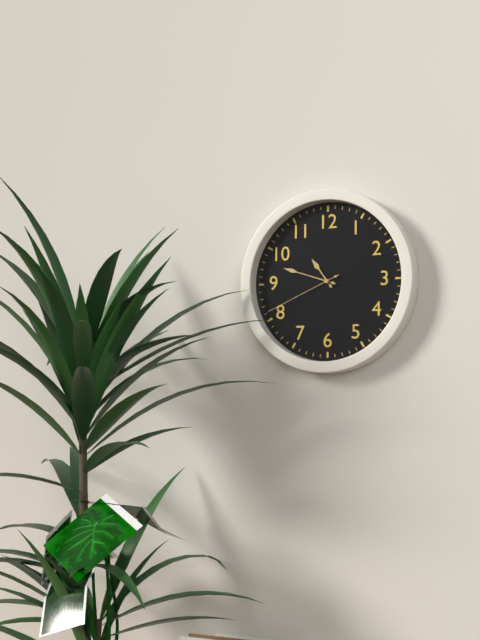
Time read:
**10:48:41**
